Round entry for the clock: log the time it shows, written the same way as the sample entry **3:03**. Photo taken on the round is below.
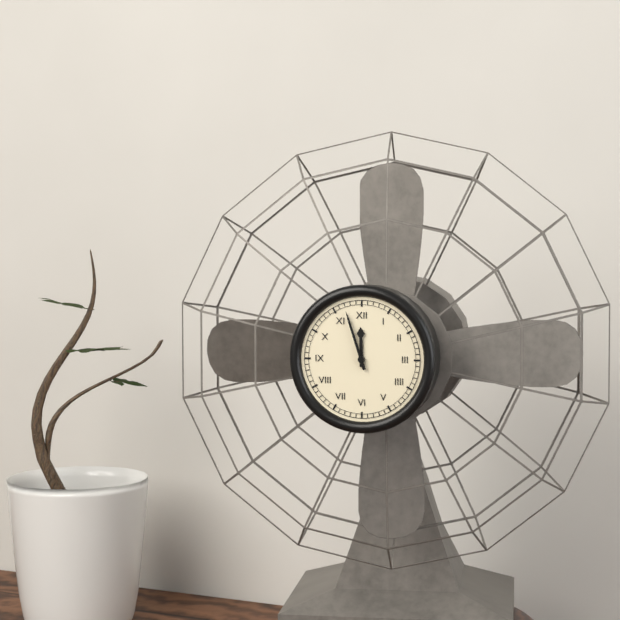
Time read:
**11:57**
